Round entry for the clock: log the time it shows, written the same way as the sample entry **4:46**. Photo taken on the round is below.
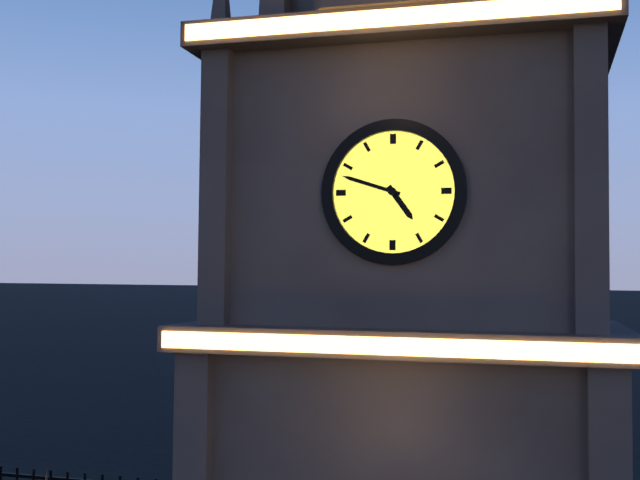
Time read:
**4:48**
